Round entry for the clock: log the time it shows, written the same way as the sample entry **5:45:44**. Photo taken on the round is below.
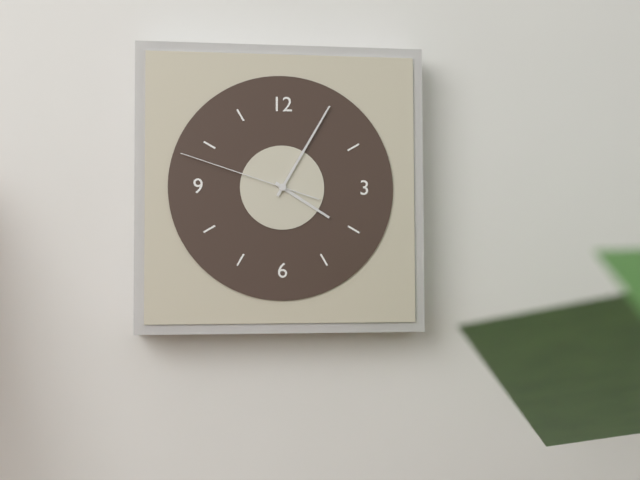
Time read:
**4:05:48**
